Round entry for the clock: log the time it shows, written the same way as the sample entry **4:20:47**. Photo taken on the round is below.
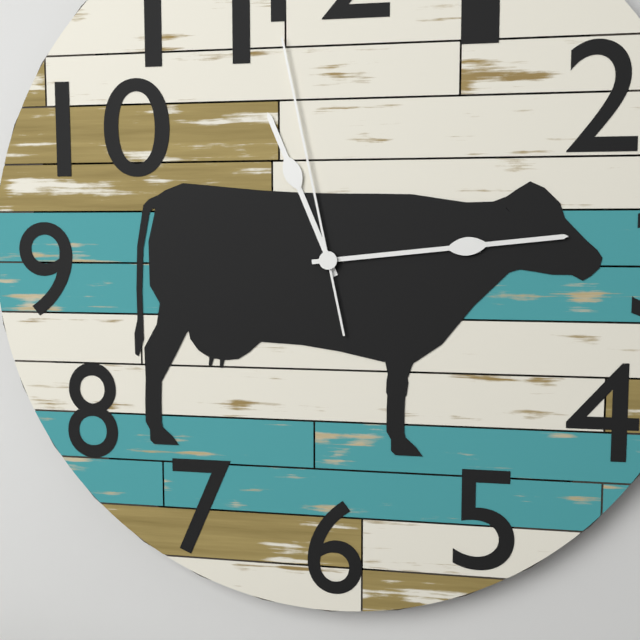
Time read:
**11:14:58**
